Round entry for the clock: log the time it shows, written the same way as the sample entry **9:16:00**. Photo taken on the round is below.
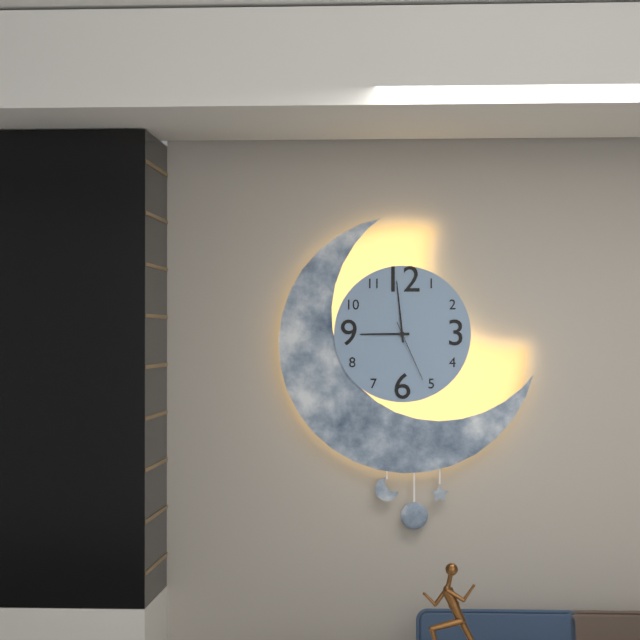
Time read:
**8:59:26**
